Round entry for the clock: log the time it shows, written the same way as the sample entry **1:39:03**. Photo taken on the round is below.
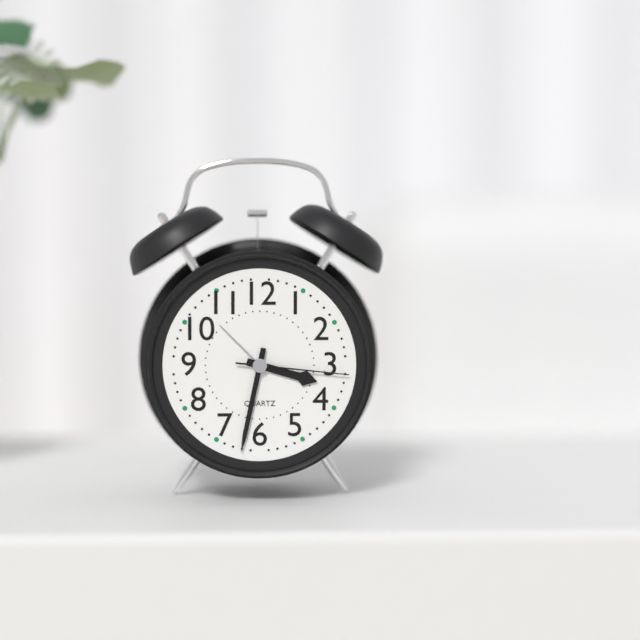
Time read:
**3:32:16**
